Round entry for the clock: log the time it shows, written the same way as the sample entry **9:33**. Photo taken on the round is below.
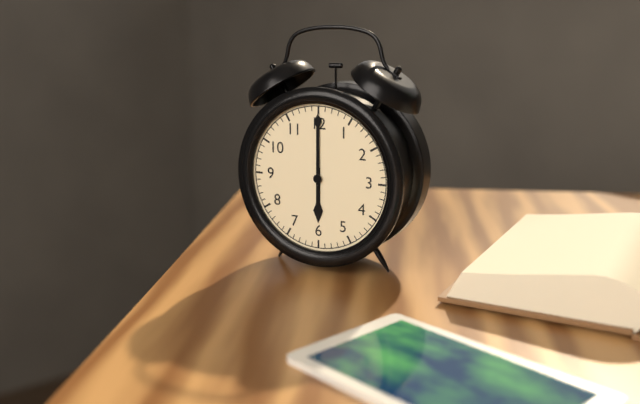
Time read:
**6:00**
